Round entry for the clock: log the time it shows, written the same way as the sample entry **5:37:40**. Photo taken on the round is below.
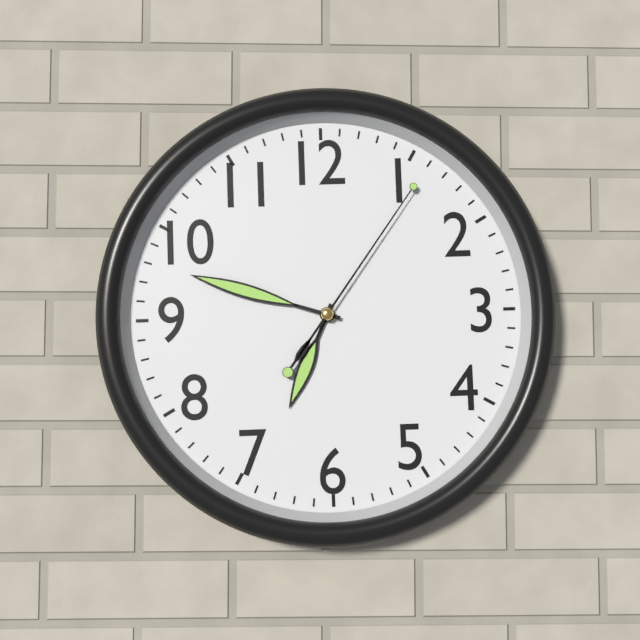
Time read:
**6:48:06**
